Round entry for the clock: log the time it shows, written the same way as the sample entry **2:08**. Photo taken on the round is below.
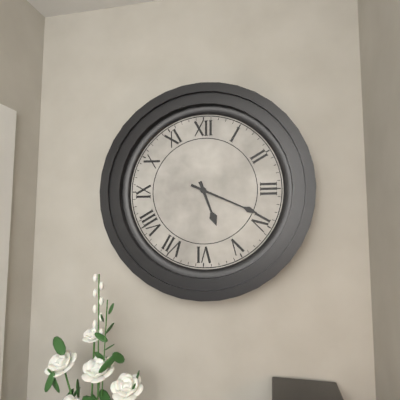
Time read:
**5:19**
